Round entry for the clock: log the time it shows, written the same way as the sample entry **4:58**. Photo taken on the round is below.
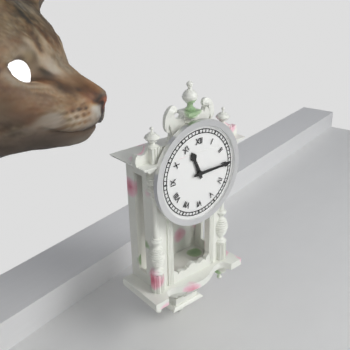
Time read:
**11:15**
